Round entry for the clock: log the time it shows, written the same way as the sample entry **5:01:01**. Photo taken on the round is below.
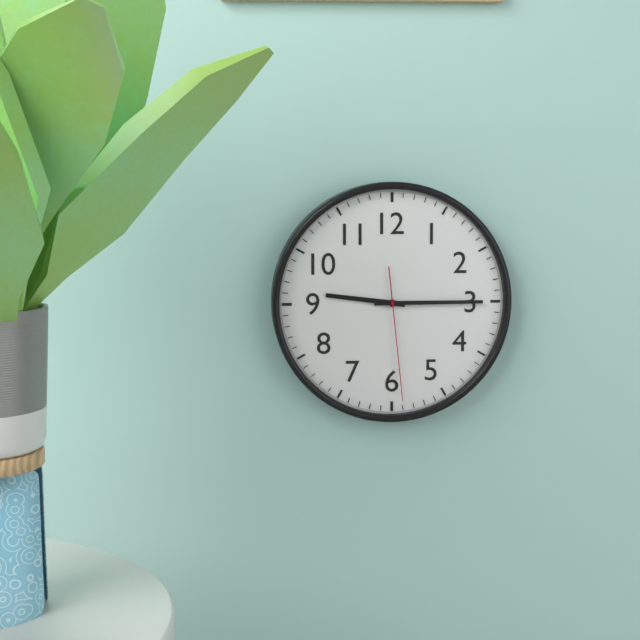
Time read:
**9:15:29**
